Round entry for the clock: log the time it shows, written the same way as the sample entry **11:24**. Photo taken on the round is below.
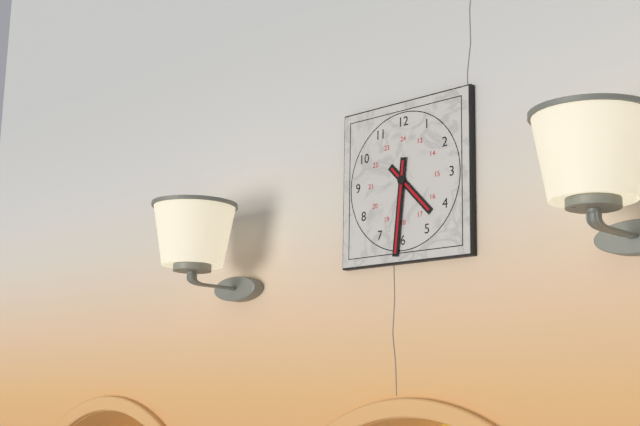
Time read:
**4:31**
